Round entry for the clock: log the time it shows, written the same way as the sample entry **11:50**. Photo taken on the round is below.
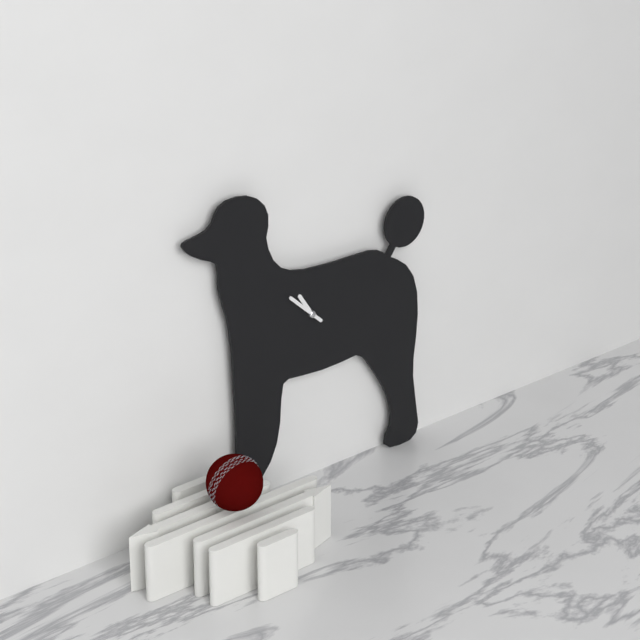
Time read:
**10:52**
